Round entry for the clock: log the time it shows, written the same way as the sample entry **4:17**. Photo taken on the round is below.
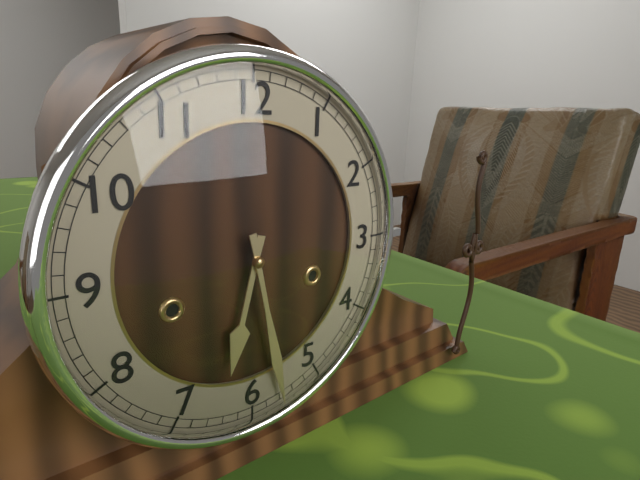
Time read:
**6:28**
